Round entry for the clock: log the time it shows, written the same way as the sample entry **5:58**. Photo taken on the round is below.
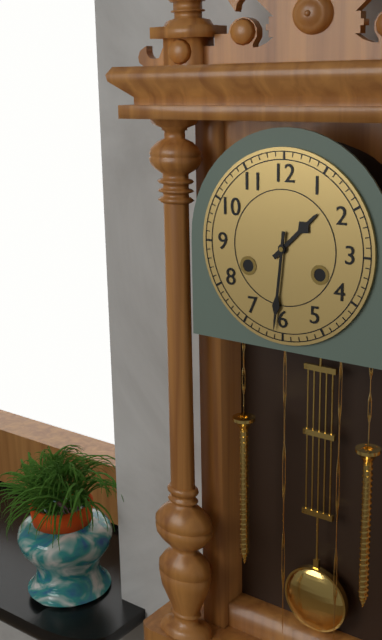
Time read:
**1:31**
